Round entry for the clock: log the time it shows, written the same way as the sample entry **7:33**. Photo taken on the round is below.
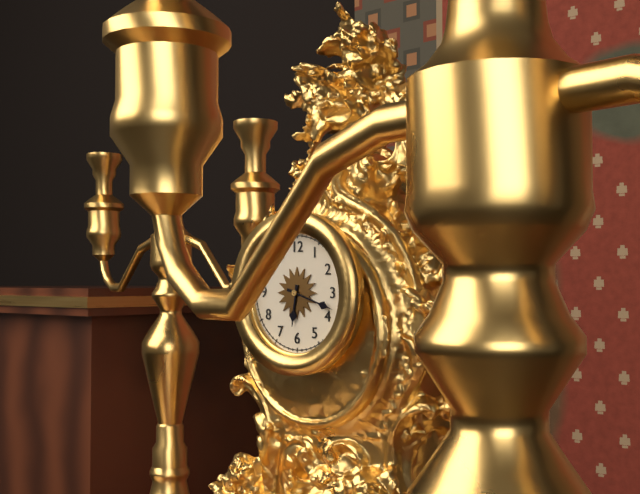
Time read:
**6:18**
